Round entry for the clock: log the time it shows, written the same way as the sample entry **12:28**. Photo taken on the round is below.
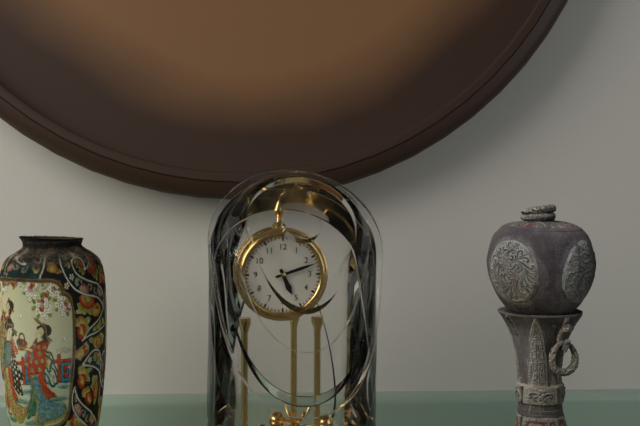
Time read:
**5:12**
